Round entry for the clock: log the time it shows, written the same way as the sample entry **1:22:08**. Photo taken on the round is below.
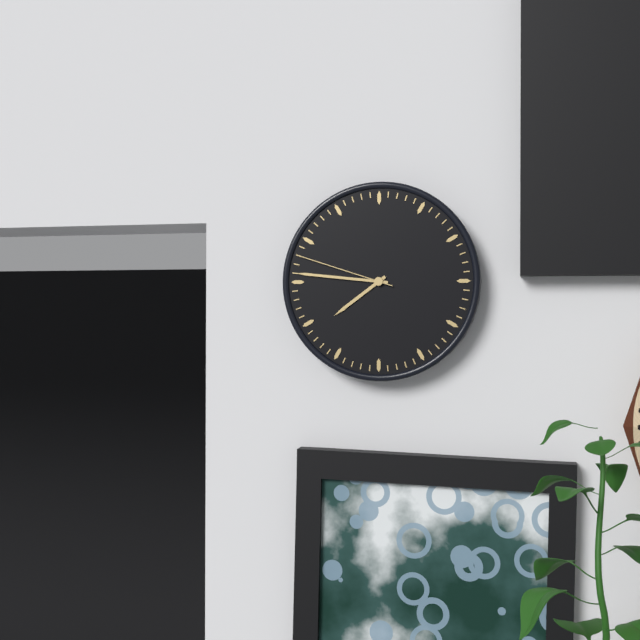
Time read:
**7:46:48**
